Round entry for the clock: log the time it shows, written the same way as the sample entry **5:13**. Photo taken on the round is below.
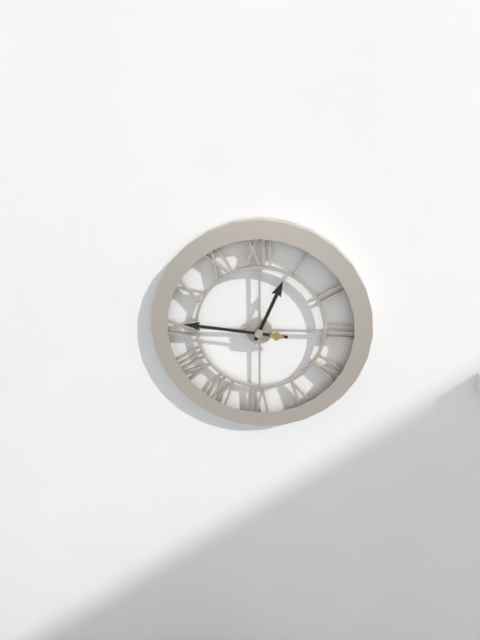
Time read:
**12:46**
